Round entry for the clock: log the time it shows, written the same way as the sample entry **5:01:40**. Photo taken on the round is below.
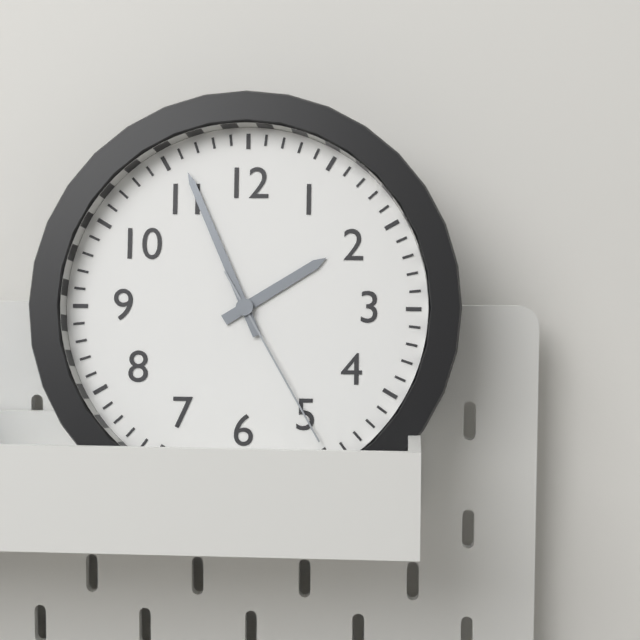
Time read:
**1:56:25**
